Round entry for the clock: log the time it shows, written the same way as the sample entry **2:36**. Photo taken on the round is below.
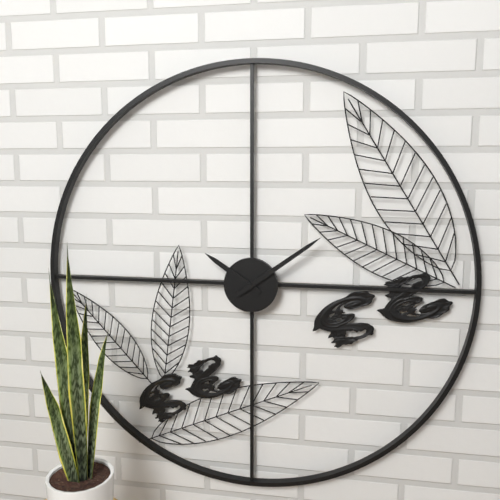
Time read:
**10:09**
